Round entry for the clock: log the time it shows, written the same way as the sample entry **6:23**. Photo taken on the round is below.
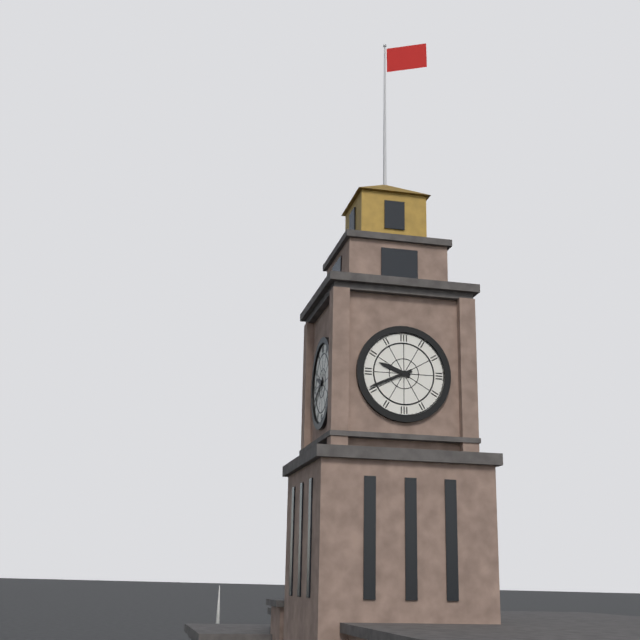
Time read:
**9:41**
